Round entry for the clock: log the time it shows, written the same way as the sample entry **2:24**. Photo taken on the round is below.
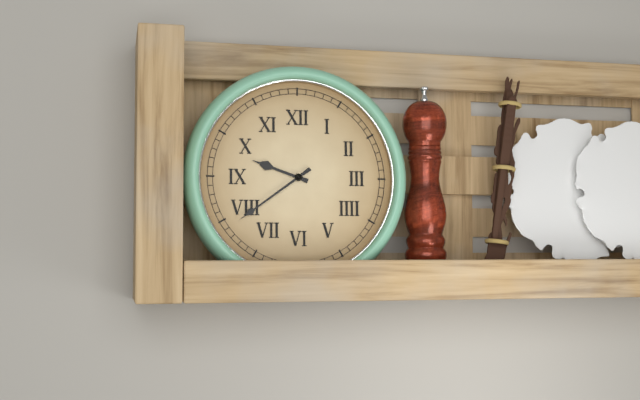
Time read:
**9:39**
